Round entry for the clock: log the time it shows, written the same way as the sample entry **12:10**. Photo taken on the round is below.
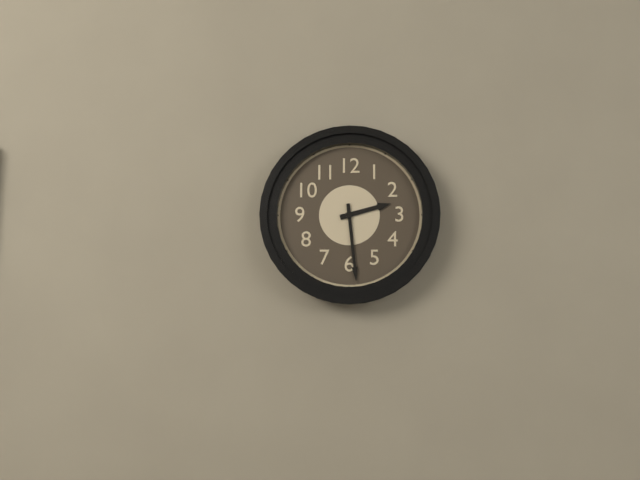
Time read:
**2:29**
